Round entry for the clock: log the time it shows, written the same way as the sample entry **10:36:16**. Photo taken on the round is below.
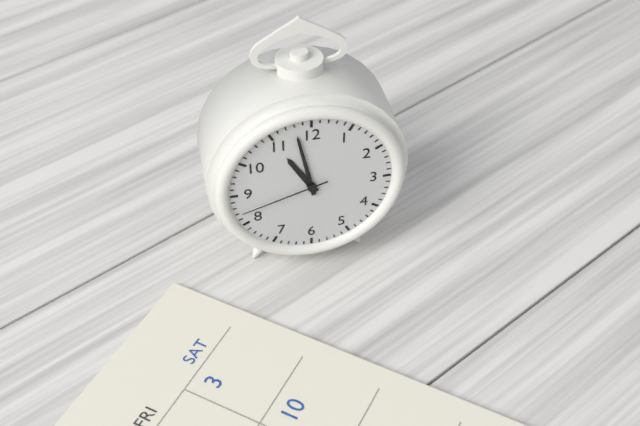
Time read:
**10:58:42**
